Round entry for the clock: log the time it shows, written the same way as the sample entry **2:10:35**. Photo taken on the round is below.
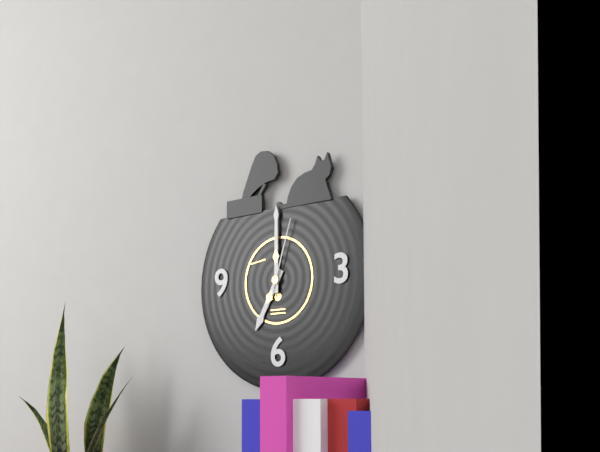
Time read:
**7:00:03**
